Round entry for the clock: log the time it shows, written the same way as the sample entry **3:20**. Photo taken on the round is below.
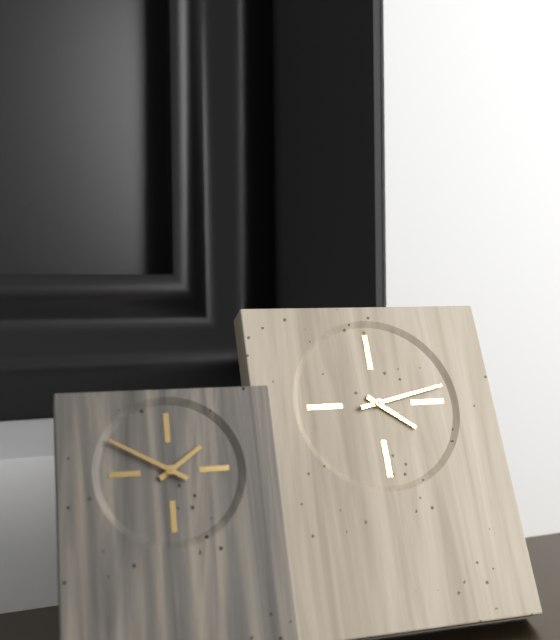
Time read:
**4:13**
